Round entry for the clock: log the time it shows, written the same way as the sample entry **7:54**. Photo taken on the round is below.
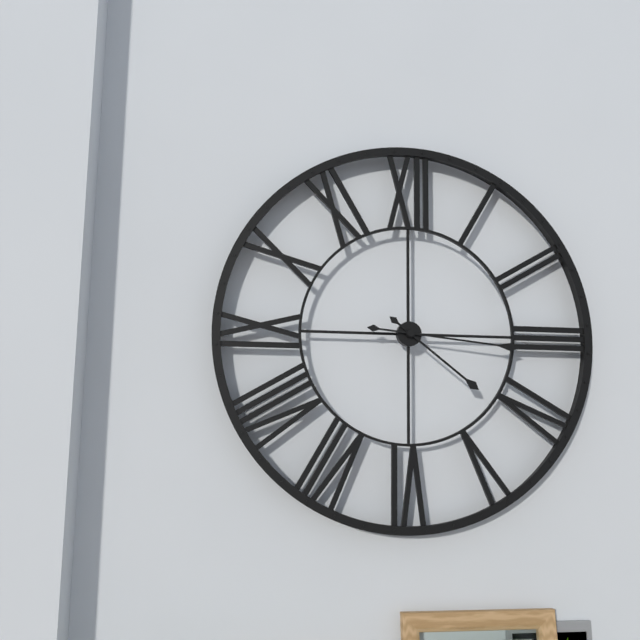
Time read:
**4:16**
